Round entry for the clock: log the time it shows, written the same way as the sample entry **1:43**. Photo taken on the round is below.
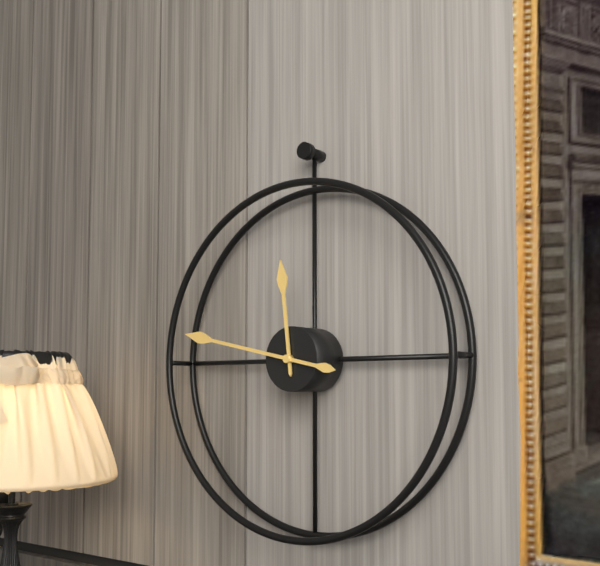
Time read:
**11:47**
